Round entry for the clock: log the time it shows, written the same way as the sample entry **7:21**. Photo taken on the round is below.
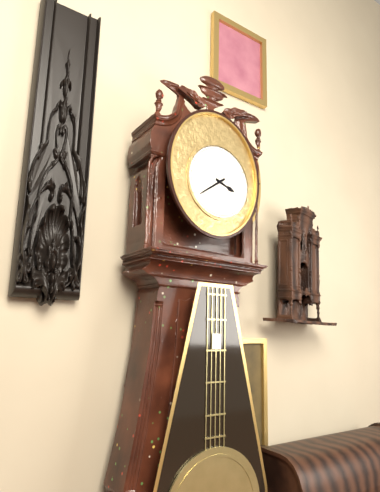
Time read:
**3:39**
